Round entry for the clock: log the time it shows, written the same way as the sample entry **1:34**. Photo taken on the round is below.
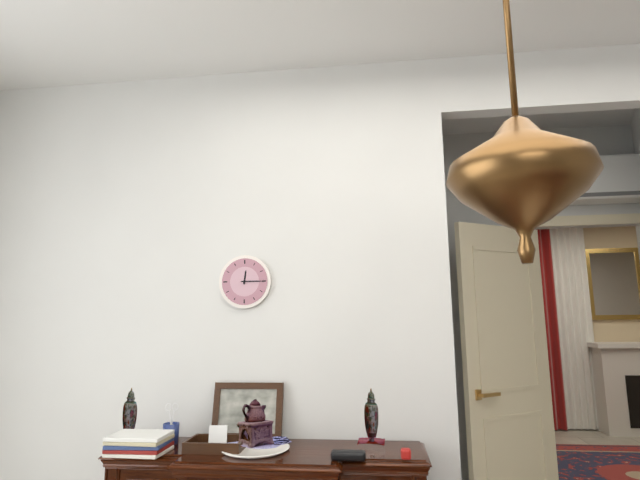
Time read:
**12:15**
